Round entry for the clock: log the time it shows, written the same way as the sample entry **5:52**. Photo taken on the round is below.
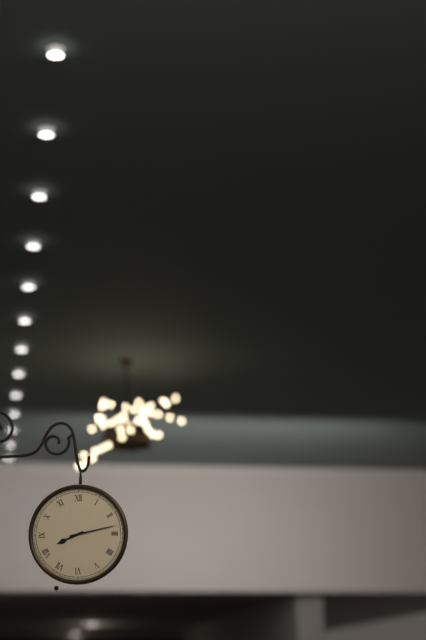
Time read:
**8:13**
